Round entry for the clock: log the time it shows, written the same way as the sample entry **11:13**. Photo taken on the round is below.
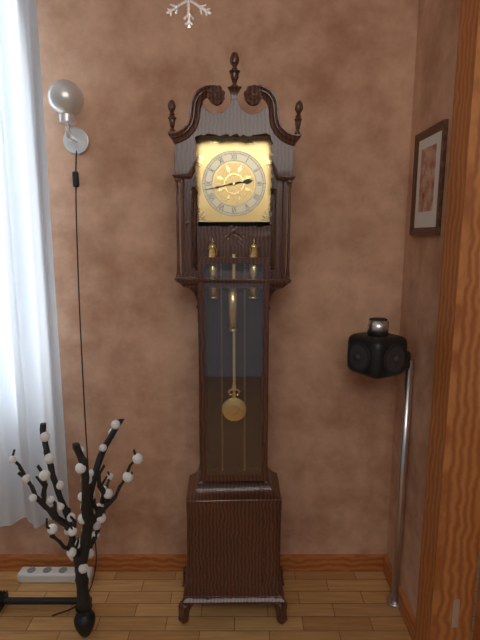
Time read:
**2:43**
